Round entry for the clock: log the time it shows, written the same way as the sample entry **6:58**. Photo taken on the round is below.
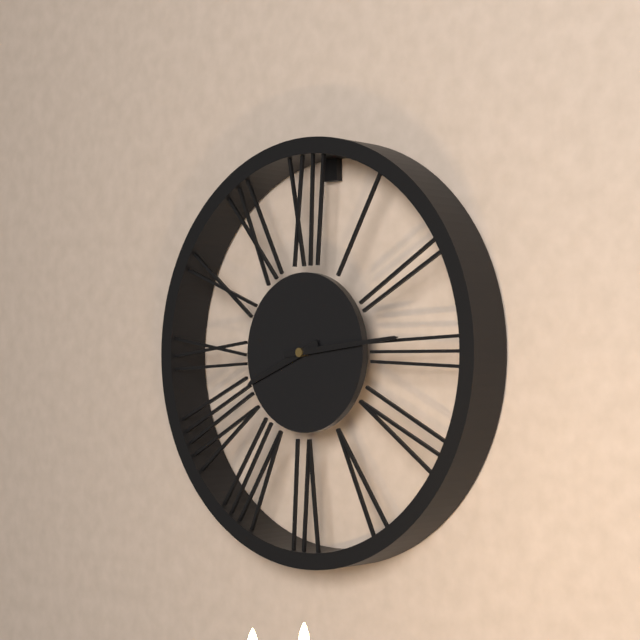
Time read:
**8:14**
